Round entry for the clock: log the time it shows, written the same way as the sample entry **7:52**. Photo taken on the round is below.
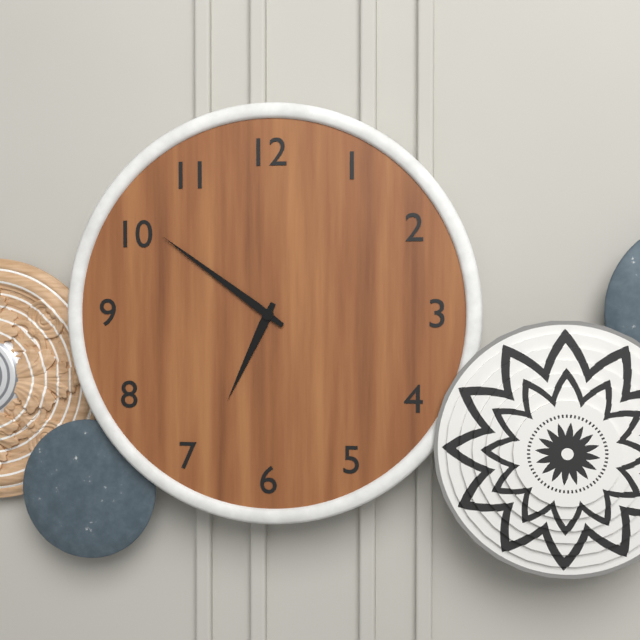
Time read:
**6:51**
